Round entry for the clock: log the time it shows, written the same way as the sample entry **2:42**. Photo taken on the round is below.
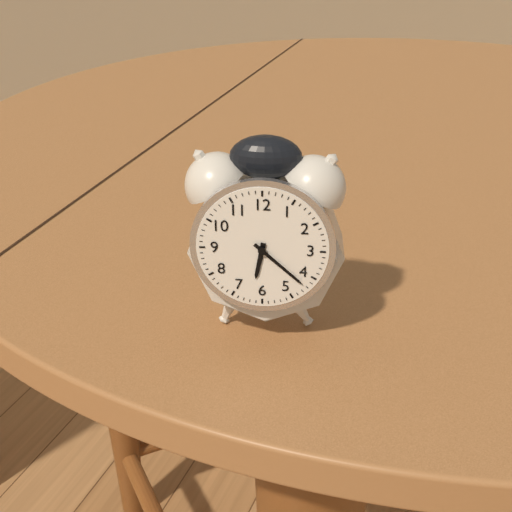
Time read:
**6:22**
